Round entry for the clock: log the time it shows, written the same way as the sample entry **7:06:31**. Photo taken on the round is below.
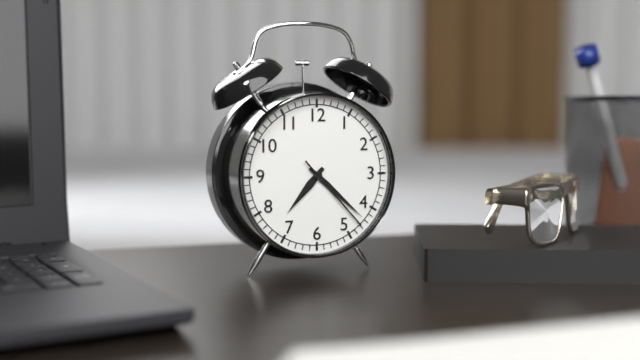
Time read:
**7:22:23**
